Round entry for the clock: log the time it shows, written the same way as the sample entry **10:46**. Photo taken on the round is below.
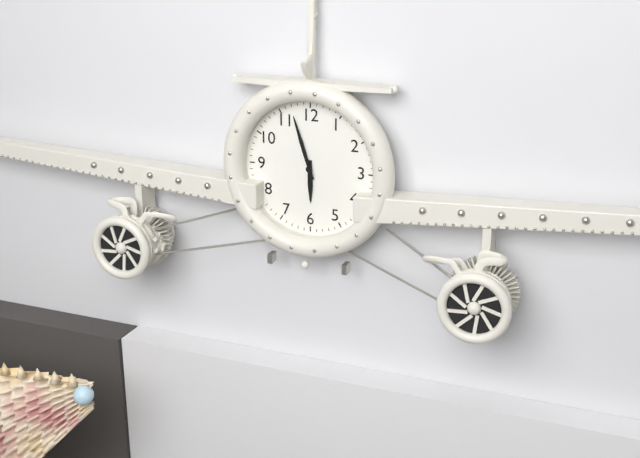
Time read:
**5:57**
